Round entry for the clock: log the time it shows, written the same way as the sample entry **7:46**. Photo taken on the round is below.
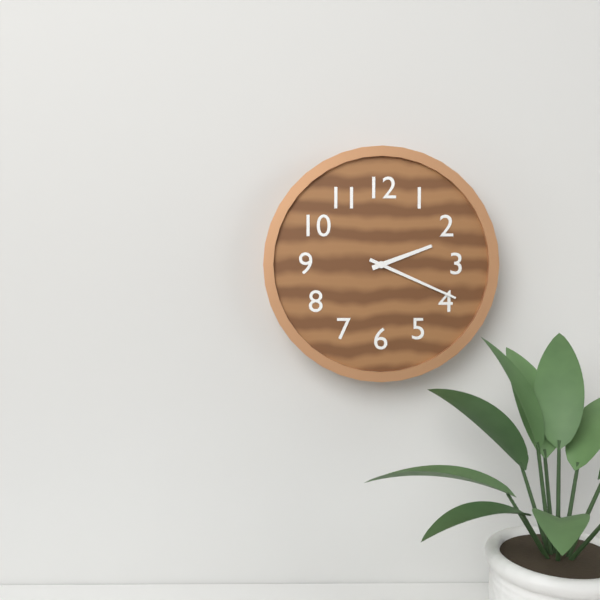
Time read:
**2:19**
